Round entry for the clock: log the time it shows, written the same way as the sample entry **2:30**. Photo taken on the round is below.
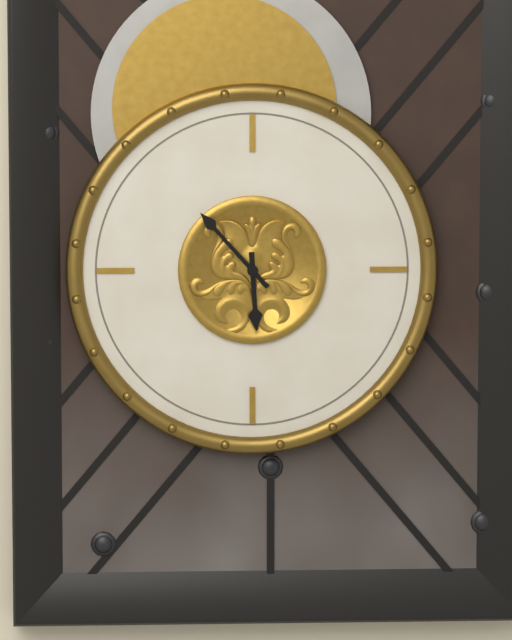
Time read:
**5:53**
